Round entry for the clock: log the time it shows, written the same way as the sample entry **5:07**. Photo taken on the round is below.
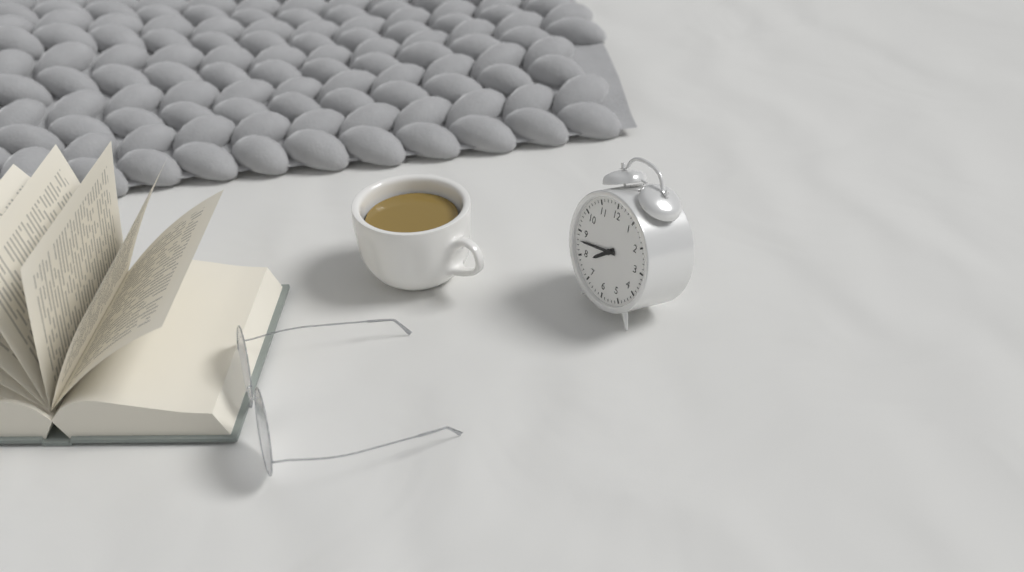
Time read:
**7:43**
